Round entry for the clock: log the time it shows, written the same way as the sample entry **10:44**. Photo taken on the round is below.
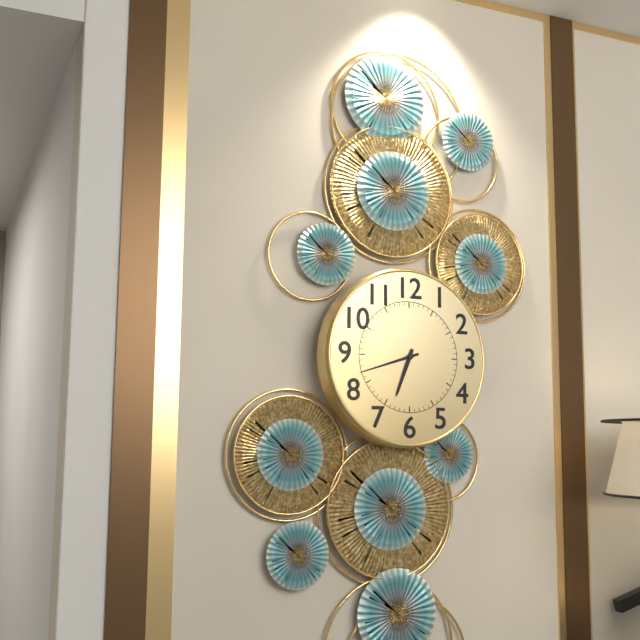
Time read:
**6:42**
